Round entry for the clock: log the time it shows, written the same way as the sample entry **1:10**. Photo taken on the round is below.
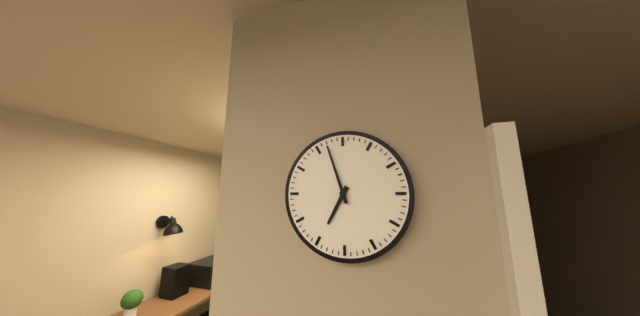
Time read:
**6:57**
